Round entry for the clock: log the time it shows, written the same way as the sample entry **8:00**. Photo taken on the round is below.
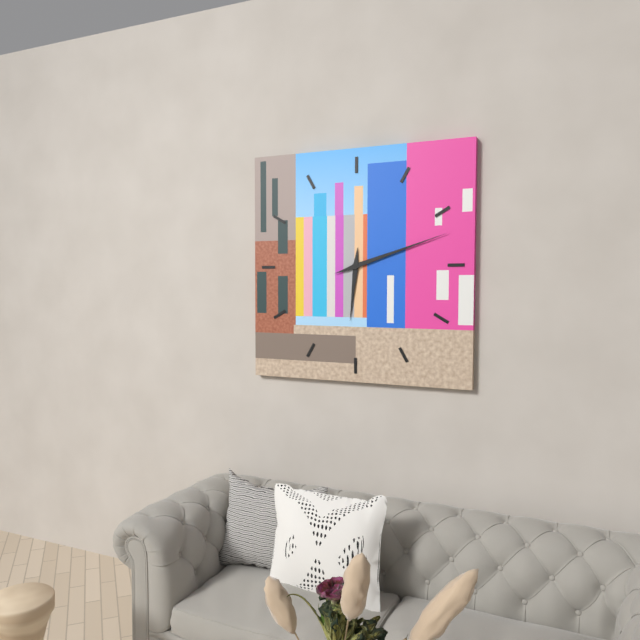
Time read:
**6:12**
